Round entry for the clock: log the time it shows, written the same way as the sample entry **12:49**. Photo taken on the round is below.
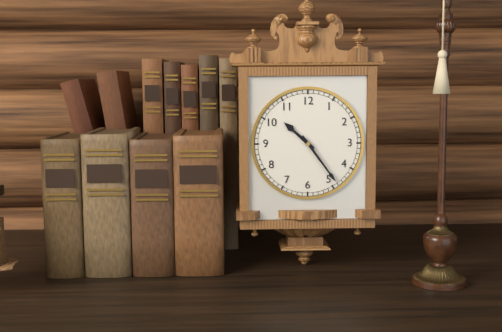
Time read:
**10:24**
